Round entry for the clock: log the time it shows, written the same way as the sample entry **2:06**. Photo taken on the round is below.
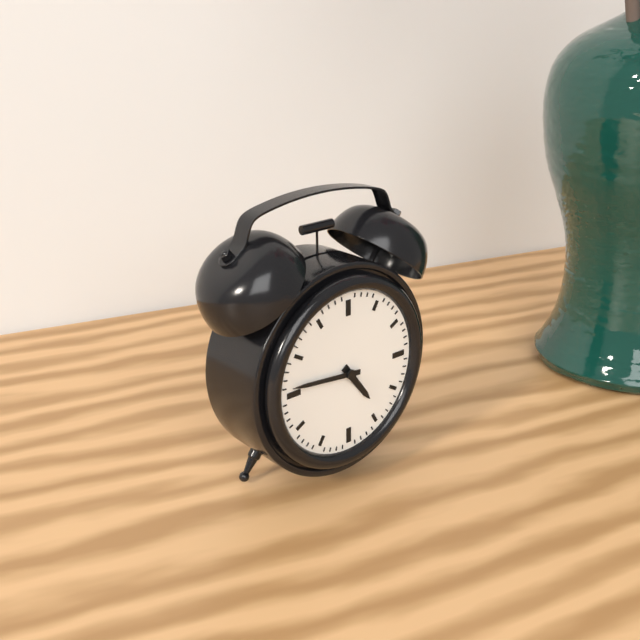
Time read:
**4:46**
